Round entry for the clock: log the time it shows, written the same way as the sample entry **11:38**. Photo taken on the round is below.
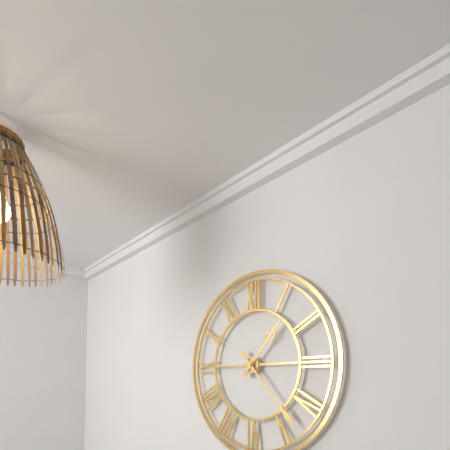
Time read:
**1:23**
